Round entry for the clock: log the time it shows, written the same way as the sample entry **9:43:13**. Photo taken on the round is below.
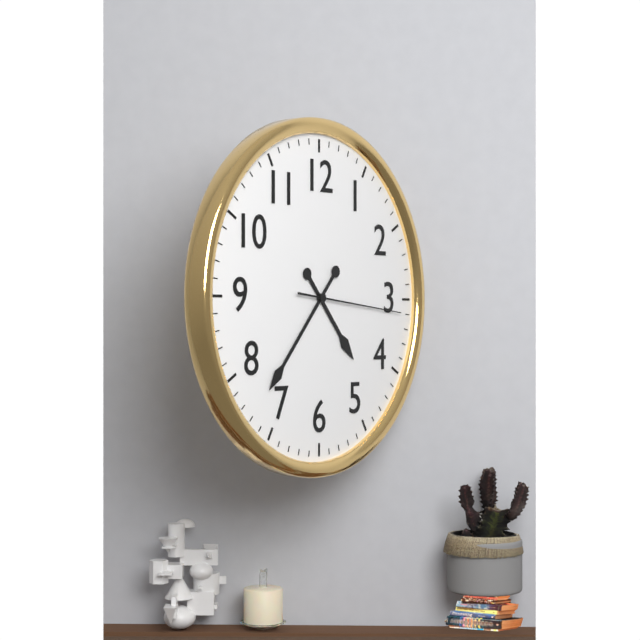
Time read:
**4:37:16**
